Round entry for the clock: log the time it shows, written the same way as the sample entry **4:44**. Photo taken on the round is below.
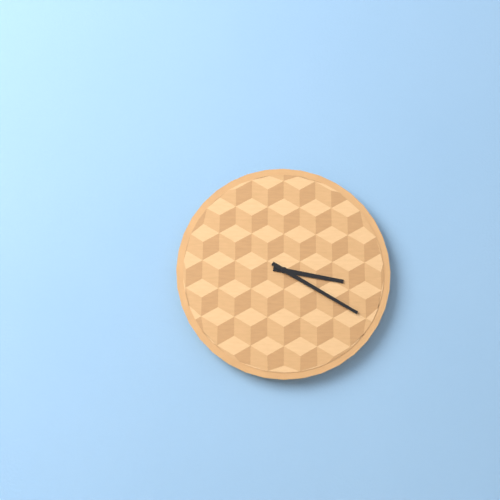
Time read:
**3:20**
